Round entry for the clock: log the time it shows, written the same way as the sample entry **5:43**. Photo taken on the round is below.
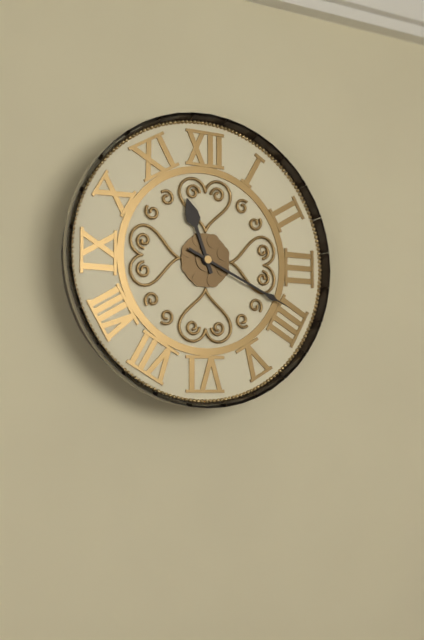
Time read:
**11:19**
